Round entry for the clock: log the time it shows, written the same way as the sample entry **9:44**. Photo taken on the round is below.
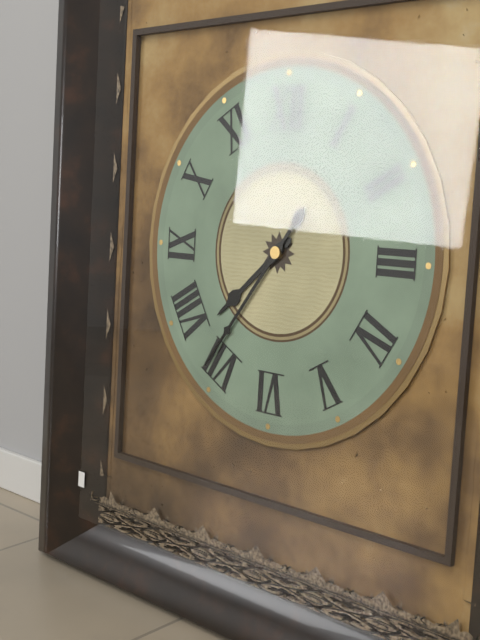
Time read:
**7:36**
